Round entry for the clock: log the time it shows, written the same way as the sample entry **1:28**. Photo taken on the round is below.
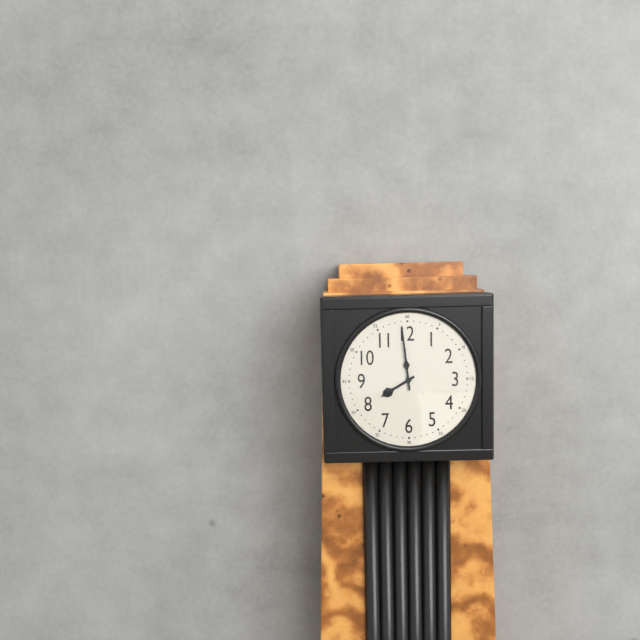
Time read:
**7:59**
